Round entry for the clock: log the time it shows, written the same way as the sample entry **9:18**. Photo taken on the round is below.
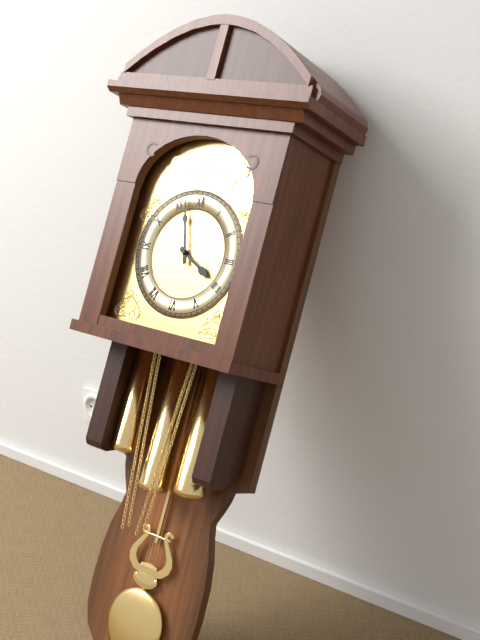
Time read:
**3:57**
